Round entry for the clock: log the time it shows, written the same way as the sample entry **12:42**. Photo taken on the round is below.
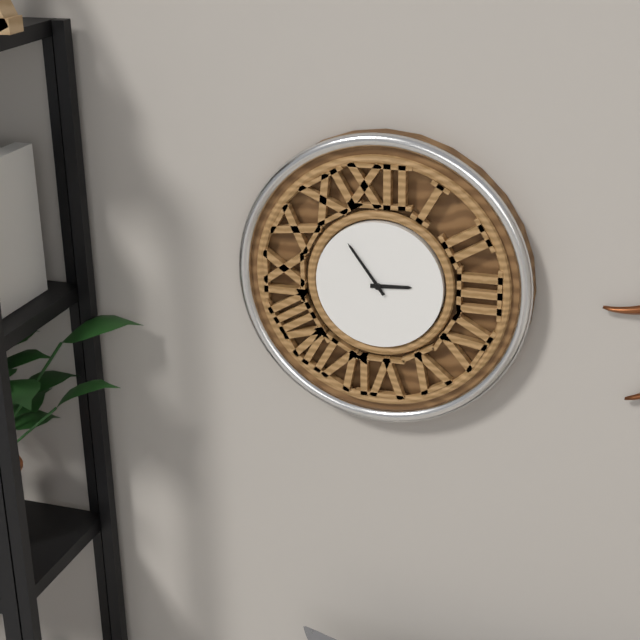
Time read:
**2:54**
